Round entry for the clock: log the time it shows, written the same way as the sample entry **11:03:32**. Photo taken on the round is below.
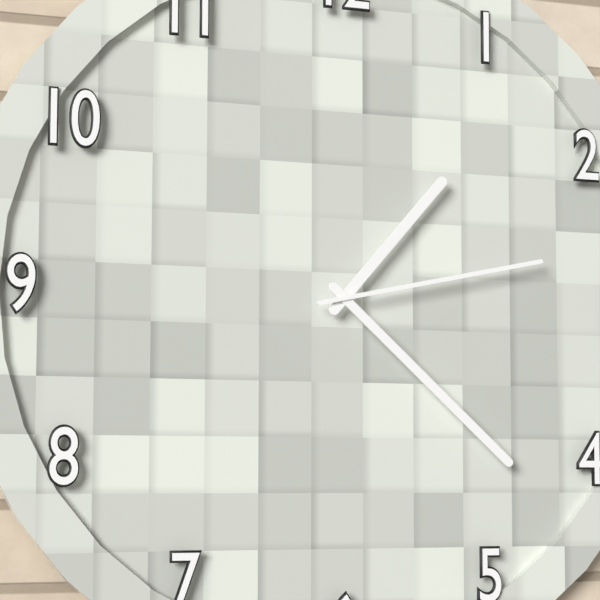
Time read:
**1:22:13**
